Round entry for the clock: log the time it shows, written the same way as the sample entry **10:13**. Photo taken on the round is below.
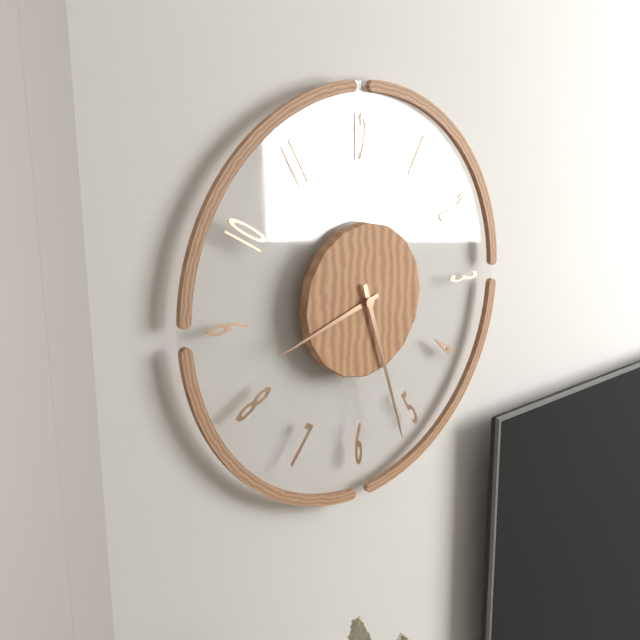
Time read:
**8:27**
